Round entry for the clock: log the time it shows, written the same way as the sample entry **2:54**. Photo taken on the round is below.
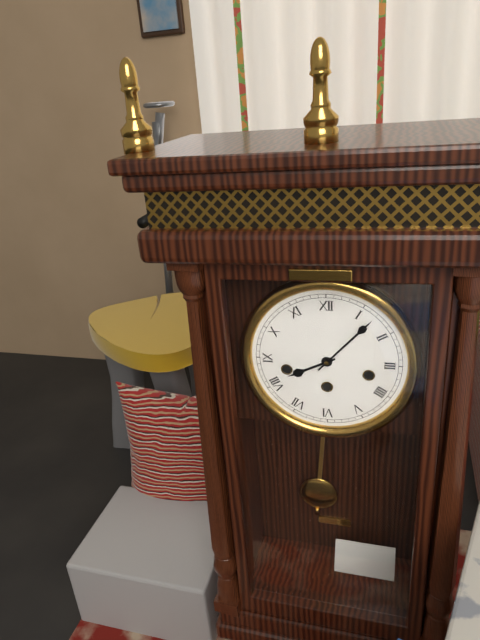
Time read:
**8:07**
